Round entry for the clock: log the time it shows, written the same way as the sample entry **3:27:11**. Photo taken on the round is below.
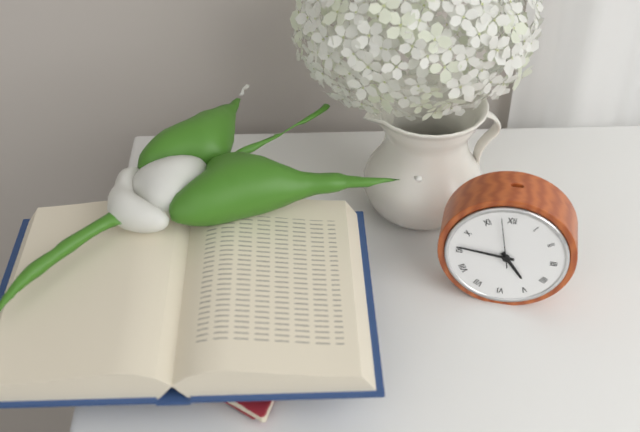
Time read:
**4:46:58**
